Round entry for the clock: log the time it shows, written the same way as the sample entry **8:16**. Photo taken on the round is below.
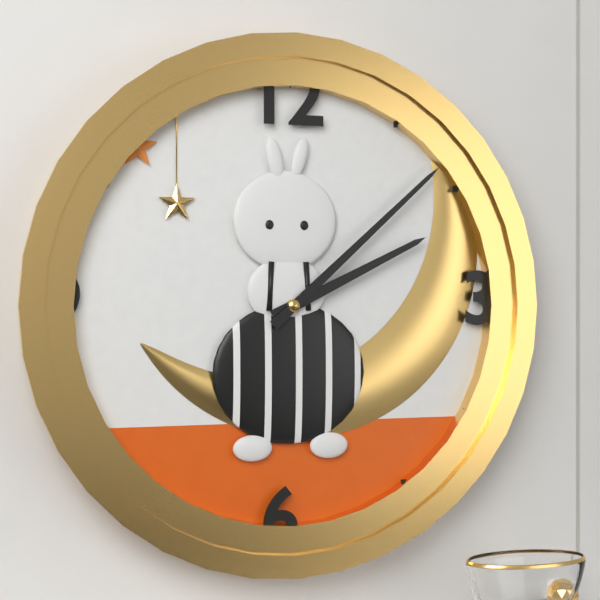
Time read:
**2:08**
